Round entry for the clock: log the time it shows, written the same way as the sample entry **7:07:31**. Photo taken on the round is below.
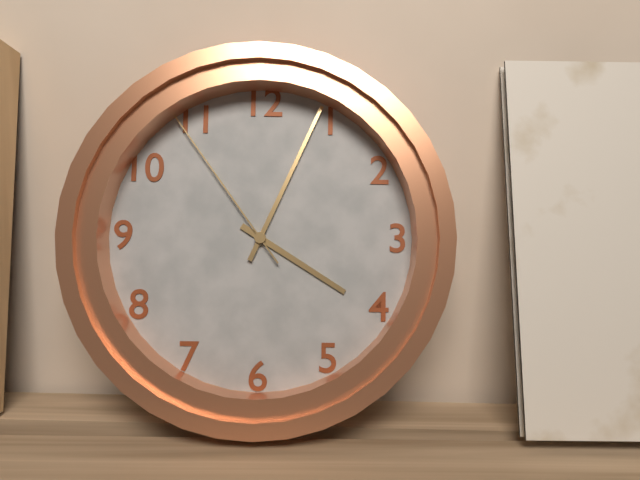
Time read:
**4:04:54**
